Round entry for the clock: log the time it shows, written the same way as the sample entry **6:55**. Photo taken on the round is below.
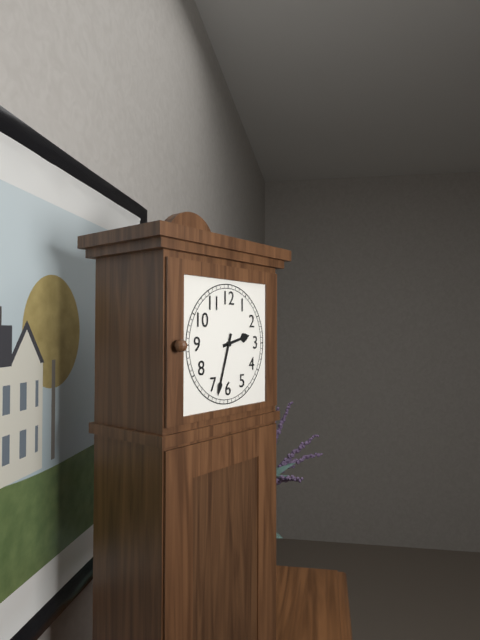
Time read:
**2:33**
